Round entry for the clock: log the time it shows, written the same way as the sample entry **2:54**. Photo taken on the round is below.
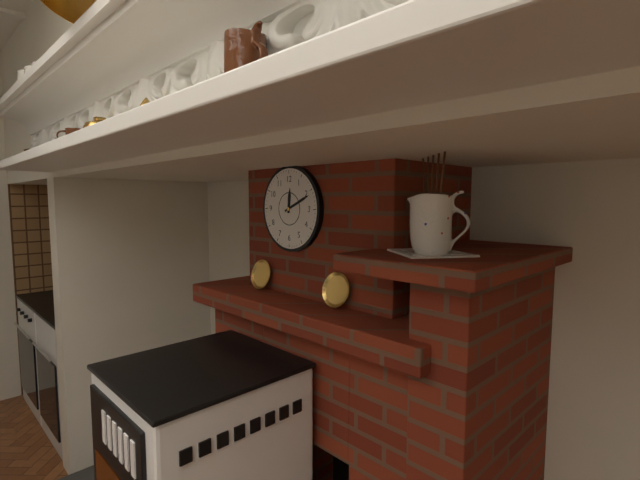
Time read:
**12:11**
